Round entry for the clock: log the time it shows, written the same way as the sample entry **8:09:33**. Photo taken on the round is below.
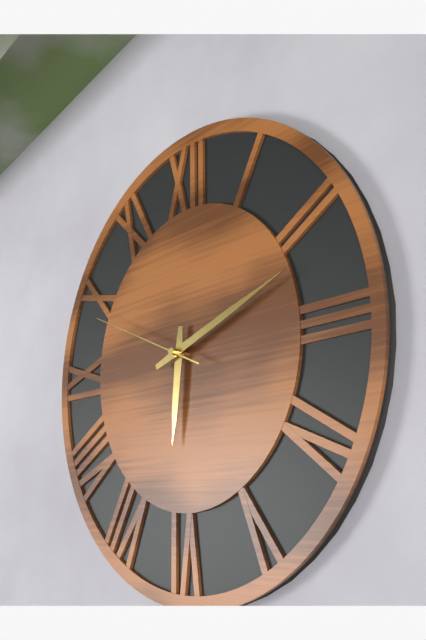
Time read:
**6:12:49**
